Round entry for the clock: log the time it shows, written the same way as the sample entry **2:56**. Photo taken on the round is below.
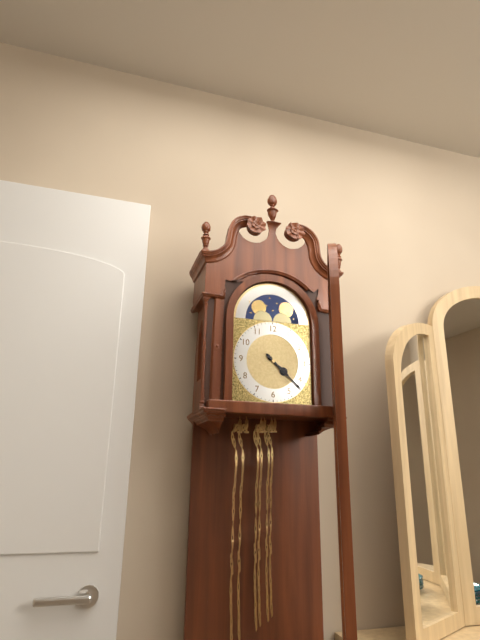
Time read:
**4:22**
